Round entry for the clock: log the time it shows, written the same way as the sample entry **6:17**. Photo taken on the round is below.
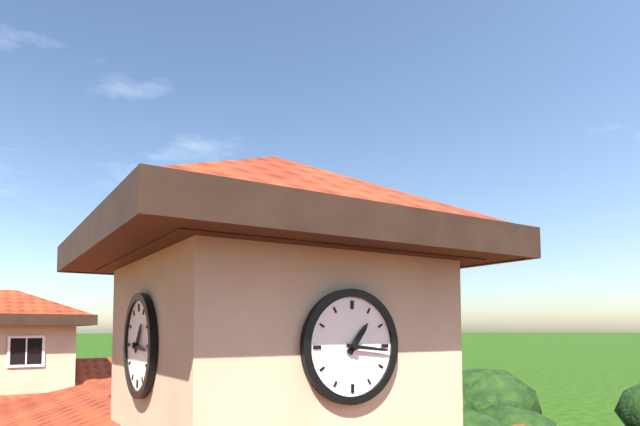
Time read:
**1:16**
